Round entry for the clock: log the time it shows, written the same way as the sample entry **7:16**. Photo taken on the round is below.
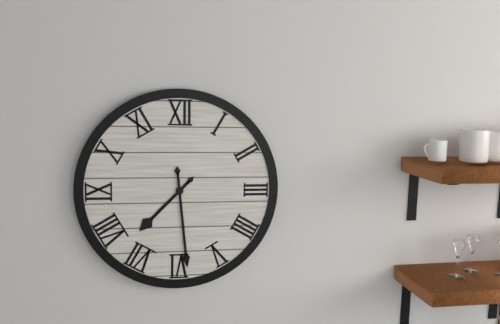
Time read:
**7:29**
